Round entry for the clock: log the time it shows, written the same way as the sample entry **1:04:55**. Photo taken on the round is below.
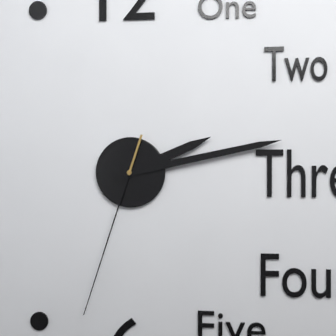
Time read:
**2:13:33**
